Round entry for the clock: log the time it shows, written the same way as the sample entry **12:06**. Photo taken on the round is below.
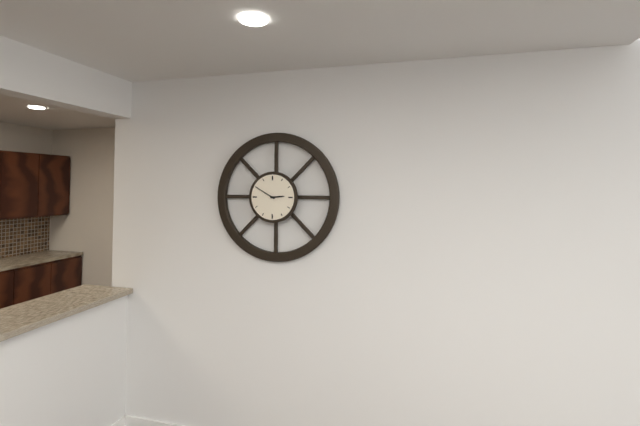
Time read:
**2:50**
